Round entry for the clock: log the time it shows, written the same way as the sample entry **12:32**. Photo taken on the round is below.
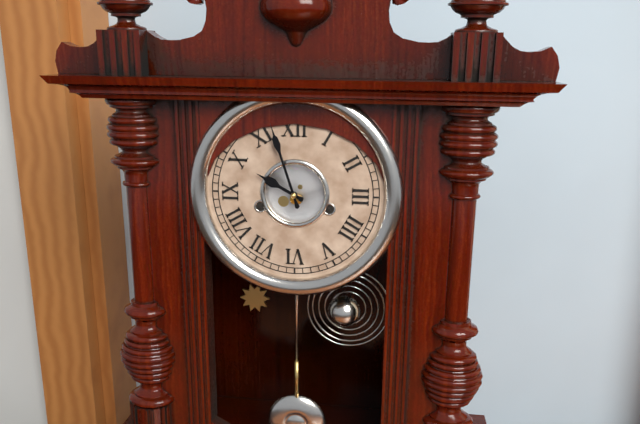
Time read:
**9:57**
